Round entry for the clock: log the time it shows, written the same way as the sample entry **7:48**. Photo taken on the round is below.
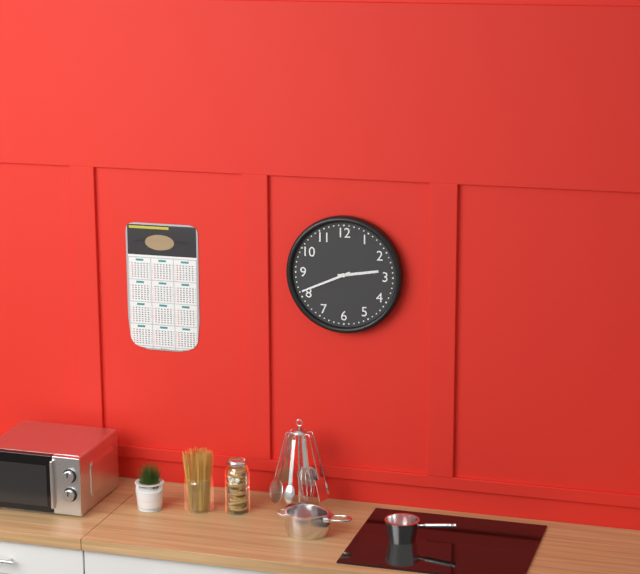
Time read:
**2:41**
